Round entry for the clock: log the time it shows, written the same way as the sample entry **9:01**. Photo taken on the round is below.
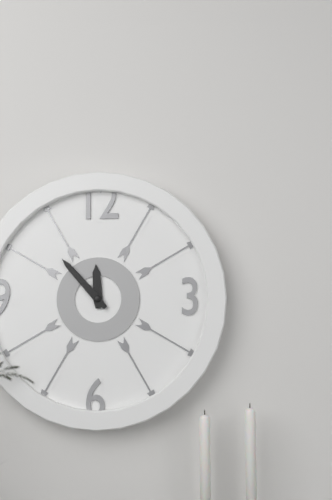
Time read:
**11:53**
